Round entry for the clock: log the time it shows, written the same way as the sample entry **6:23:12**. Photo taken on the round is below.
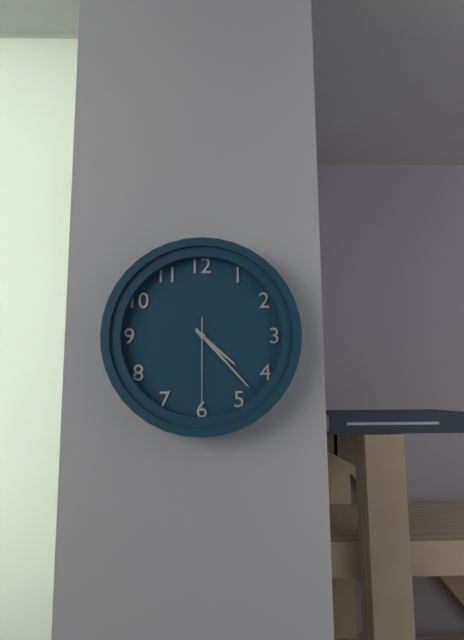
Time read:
**4:23:30**
